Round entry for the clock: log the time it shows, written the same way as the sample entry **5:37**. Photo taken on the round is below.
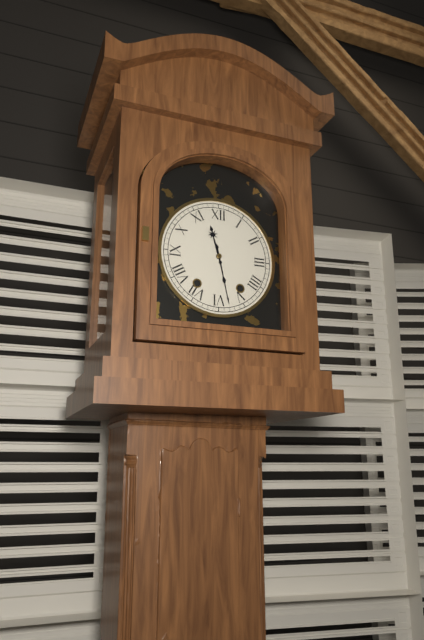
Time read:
**11:28**
